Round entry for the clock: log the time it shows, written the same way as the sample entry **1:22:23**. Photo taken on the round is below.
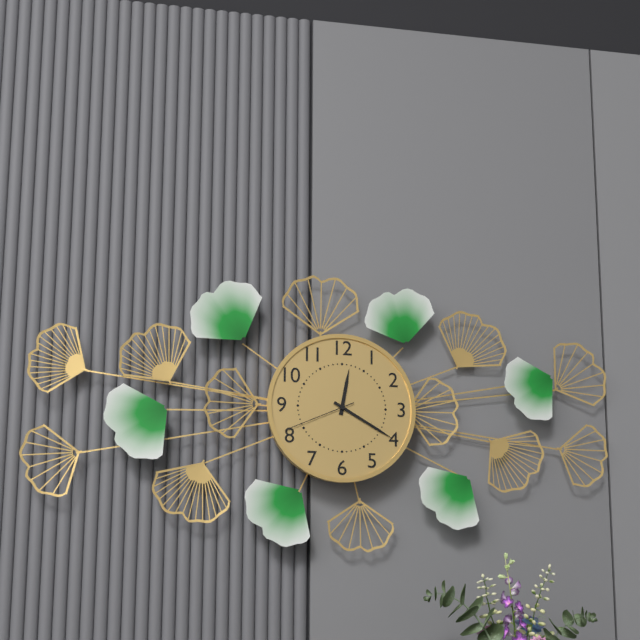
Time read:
**12:20:41**
